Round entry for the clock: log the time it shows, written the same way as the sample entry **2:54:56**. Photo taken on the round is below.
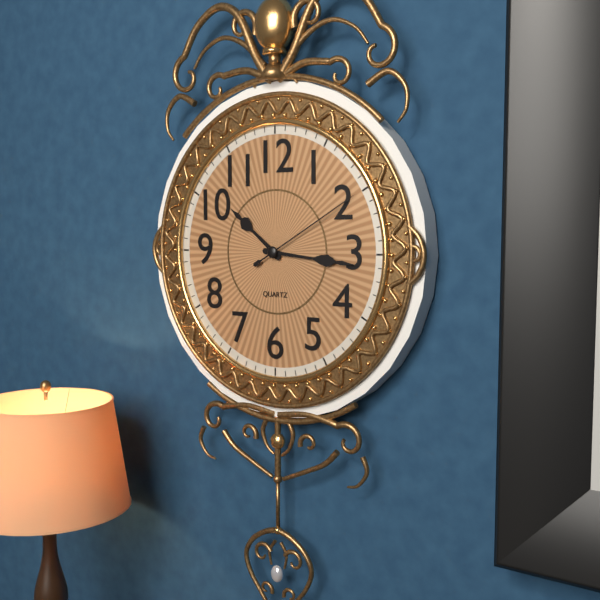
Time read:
**10:16:10**
